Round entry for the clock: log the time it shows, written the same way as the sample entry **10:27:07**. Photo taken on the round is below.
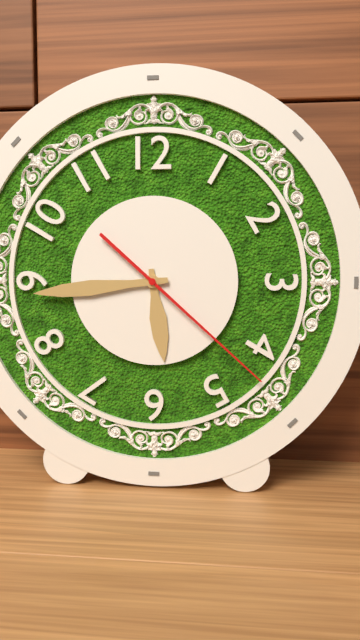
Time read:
**5:44:22**
